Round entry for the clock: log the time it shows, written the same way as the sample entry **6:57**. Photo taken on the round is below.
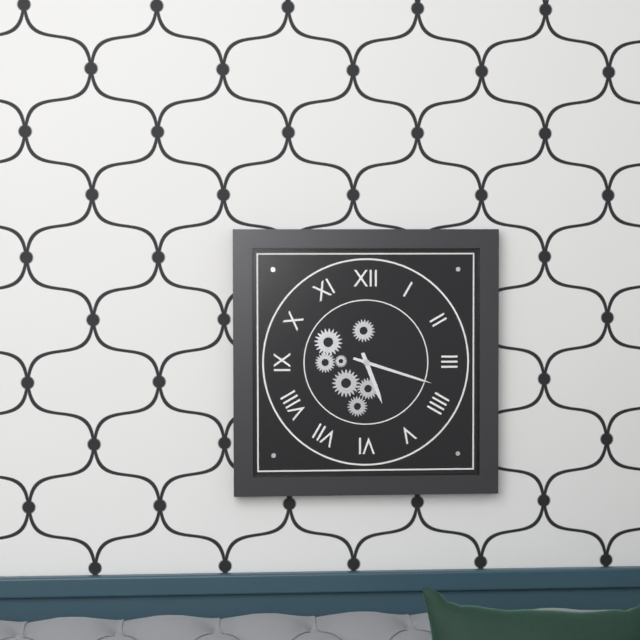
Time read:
**5:18**
